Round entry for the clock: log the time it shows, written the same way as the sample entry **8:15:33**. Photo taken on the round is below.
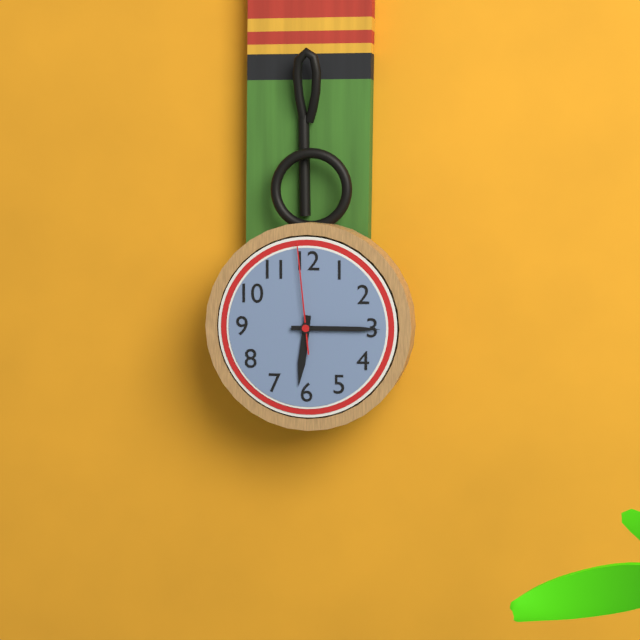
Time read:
**6:15:59**
